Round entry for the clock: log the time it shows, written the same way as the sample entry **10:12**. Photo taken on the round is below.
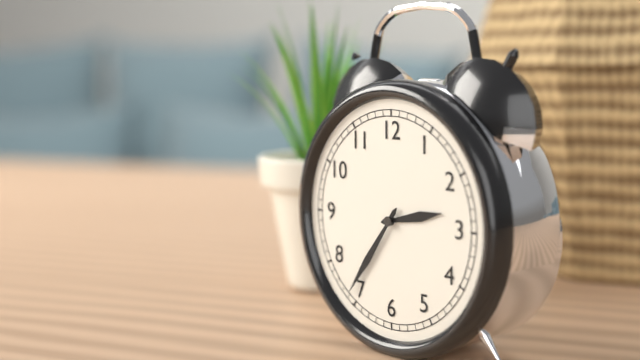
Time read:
**2:36**
